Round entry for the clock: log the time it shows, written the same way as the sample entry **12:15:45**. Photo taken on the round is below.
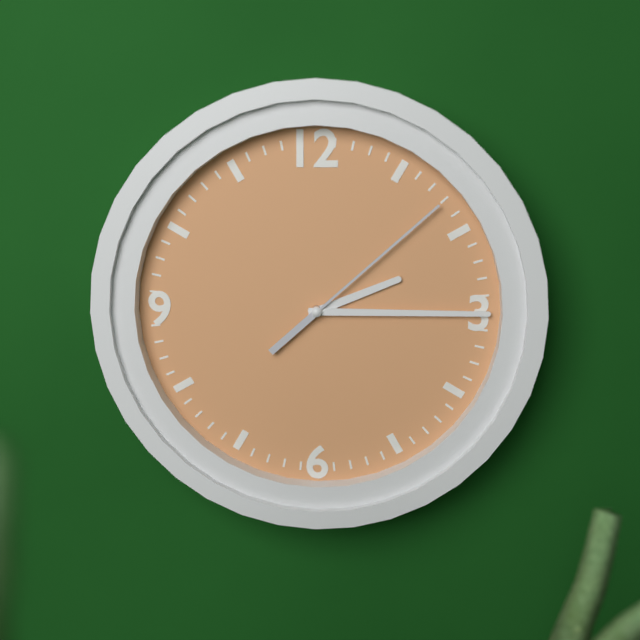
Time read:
**2:15:08**
